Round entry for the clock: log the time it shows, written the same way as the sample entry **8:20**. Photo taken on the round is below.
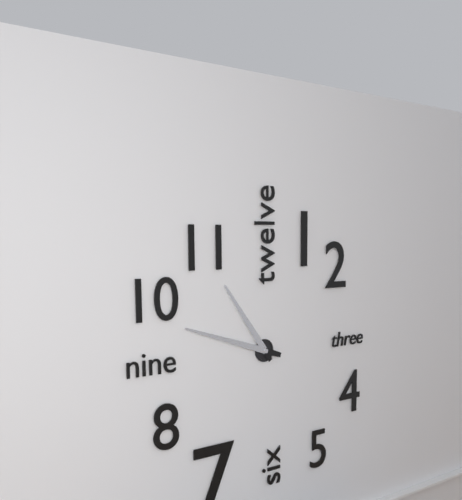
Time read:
**10:48**
